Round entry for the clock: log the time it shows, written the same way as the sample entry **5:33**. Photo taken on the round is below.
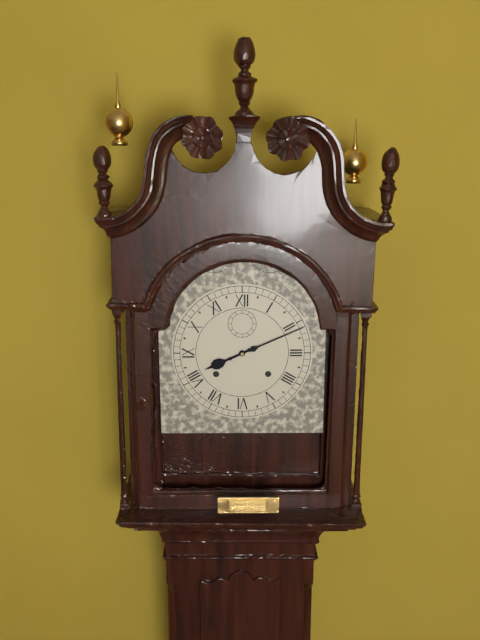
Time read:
**8:11**
